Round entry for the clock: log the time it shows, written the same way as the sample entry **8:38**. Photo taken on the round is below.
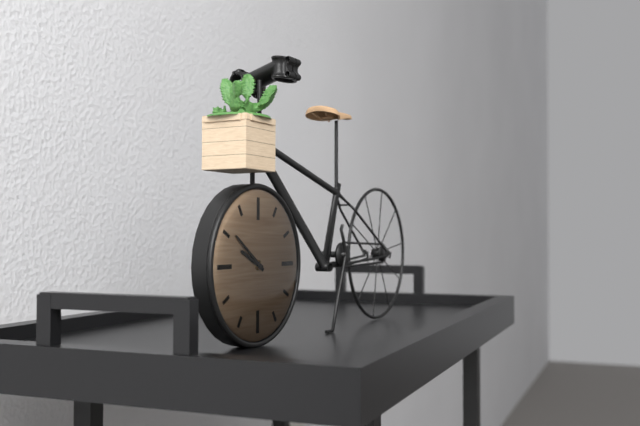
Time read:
**9:51**
